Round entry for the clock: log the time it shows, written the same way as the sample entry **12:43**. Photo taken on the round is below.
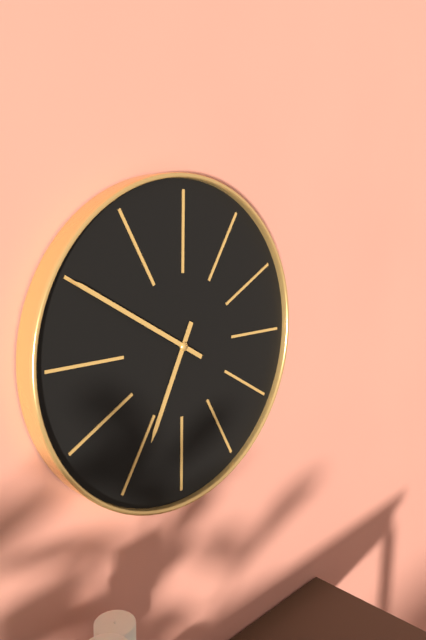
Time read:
**6:50**
